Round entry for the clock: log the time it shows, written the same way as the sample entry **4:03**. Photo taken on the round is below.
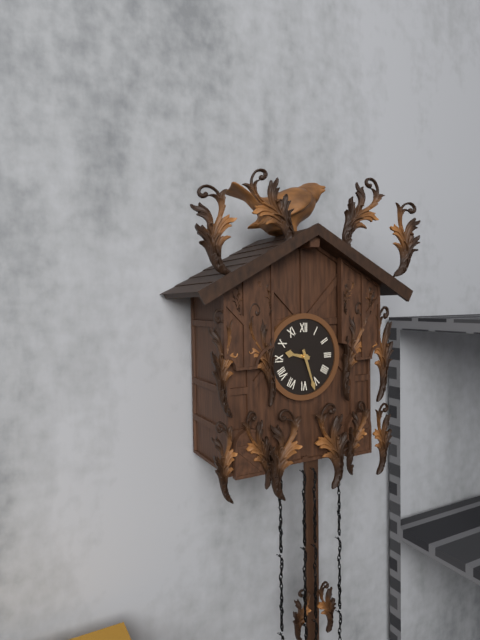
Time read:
**9:27**
